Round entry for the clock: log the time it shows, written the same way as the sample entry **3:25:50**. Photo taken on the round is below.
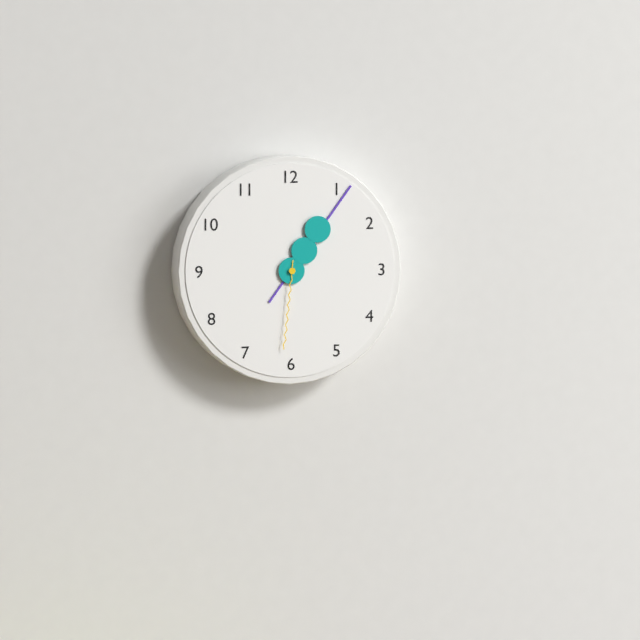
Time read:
**1:06:31**
